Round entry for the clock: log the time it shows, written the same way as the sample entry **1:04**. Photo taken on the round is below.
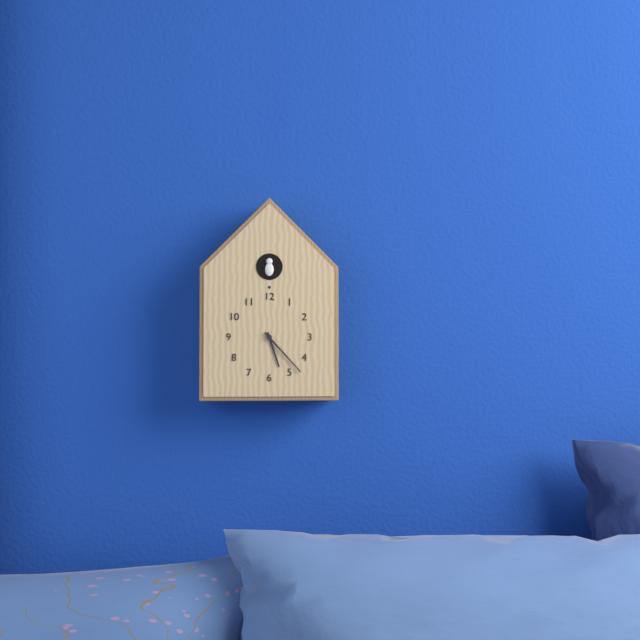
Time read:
**5:23**
